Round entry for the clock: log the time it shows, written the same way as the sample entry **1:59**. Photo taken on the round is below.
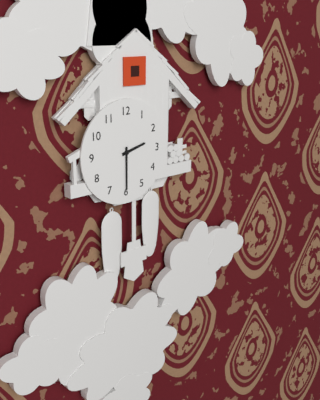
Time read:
**2:30**
